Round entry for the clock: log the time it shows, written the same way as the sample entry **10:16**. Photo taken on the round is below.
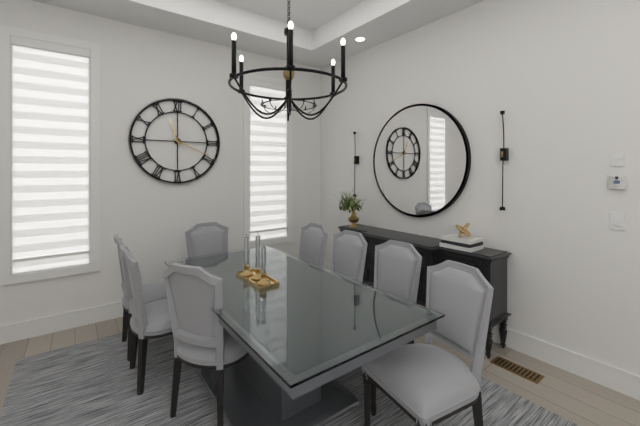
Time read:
**11:19**
